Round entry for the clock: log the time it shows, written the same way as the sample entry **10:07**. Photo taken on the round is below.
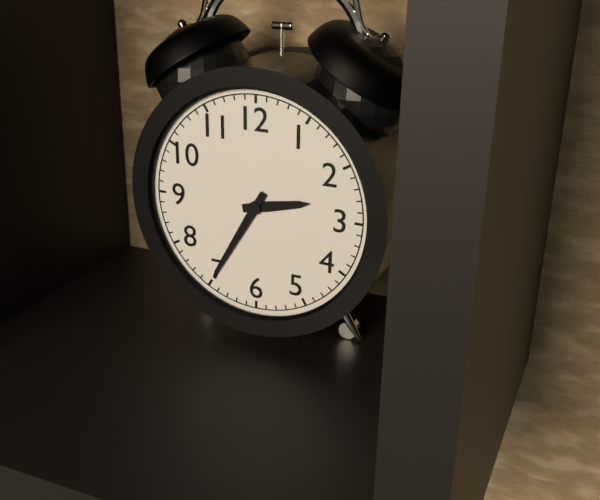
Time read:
**2:35**
